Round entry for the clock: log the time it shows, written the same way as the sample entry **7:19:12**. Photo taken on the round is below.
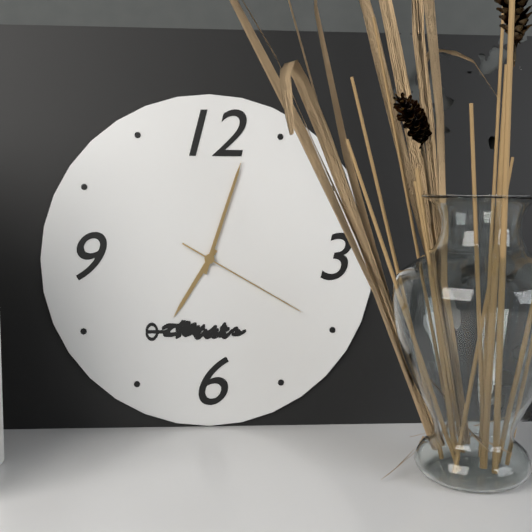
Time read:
**7:03:20**
